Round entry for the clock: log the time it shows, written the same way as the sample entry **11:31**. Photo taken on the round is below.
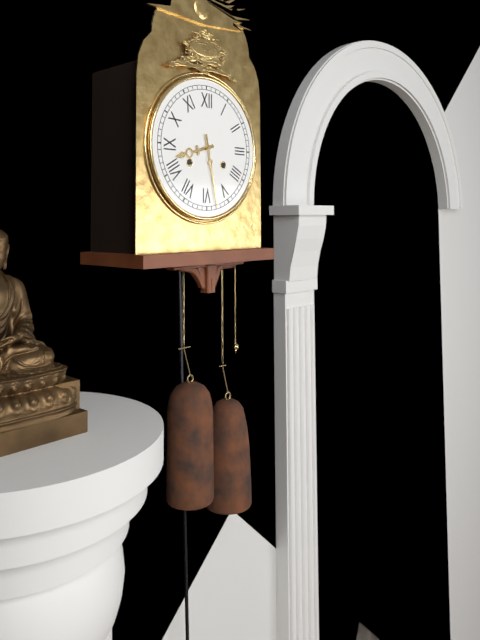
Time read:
**8:28**
